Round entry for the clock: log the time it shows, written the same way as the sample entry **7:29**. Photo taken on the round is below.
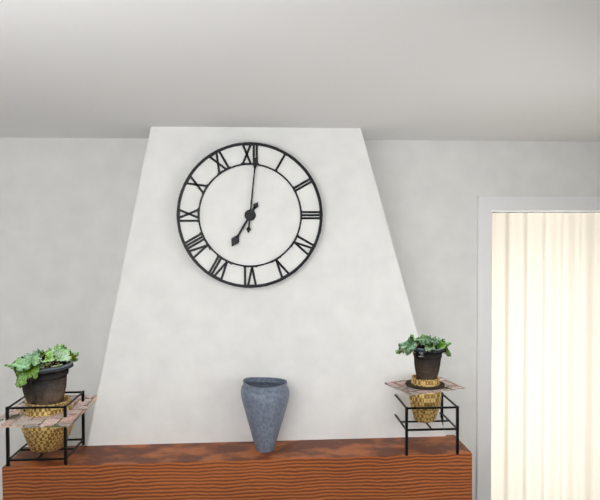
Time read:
**7:01**
